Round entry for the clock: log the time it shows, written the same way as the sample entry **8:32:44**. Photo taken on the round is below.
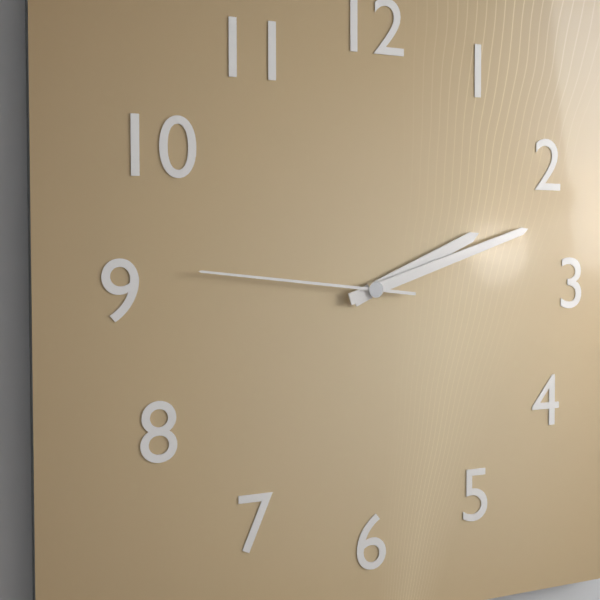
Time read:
**2:12:46**
